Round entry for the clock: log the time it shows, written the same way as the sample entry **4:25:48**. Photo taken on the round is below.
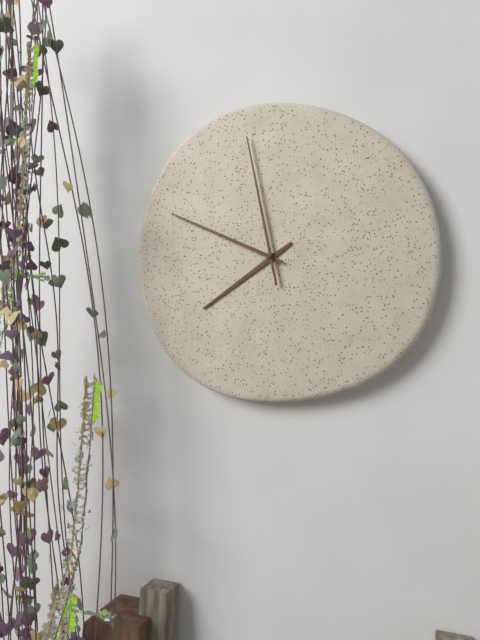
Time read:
**7:49:58**
